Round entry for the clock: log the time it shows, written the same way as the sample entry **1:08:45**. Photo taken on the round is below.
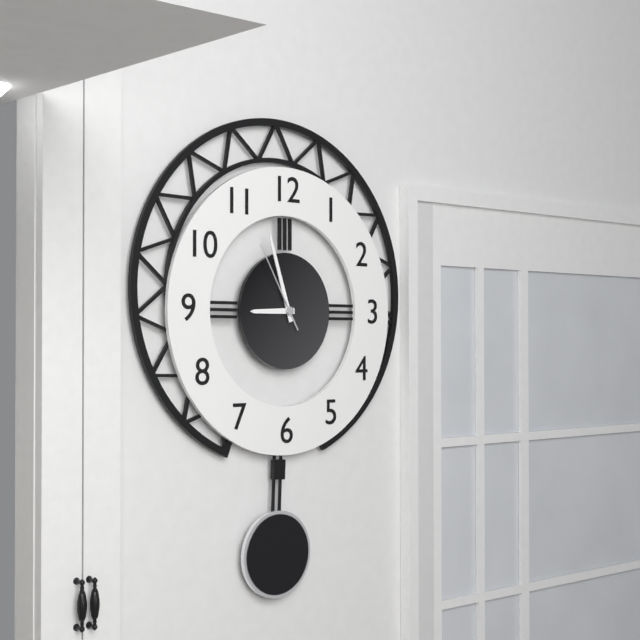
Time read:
**8:57:55**
